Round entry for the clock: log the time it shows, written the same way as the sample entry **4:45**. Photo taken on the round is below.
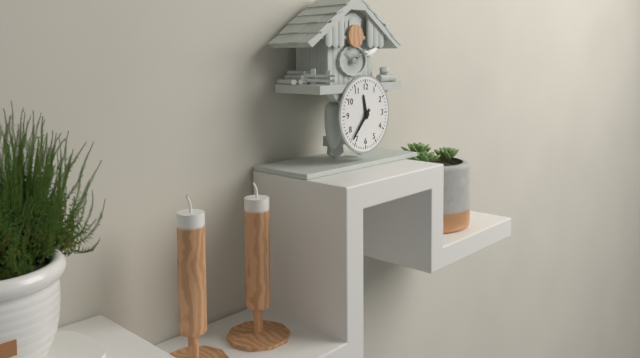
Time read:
**11:37**
